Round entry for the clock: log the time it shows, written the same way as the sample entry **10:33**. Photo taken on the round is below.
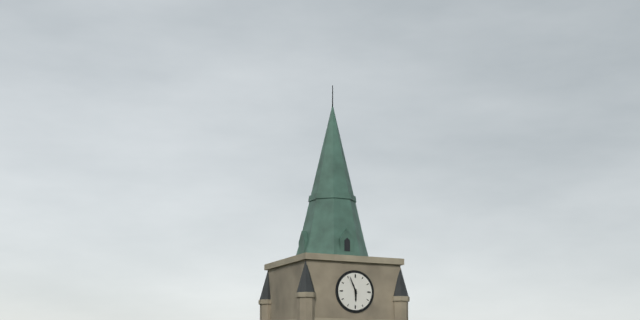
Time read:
**5:56**
